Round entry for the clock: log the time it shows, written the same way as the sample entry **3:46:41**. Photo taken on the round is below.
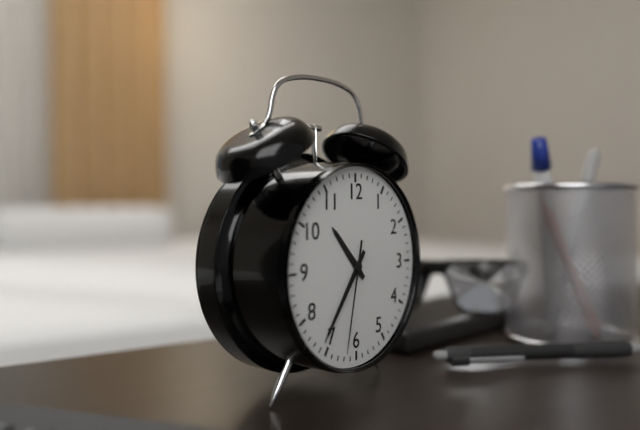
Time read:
**10:36:32**
